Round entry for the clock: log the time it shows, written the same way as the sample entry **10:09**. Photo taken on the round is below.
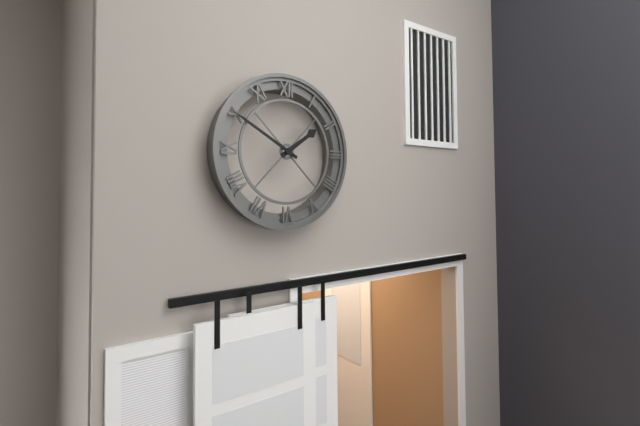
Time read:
**1:50**
